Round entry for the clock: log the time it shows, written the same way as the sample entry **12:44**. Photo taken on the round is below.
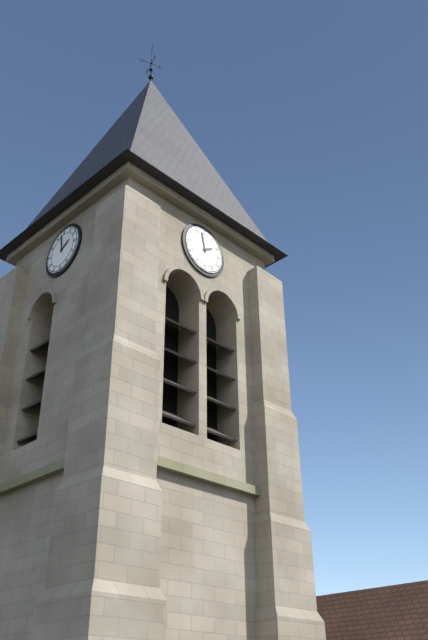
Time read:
**1:58**
